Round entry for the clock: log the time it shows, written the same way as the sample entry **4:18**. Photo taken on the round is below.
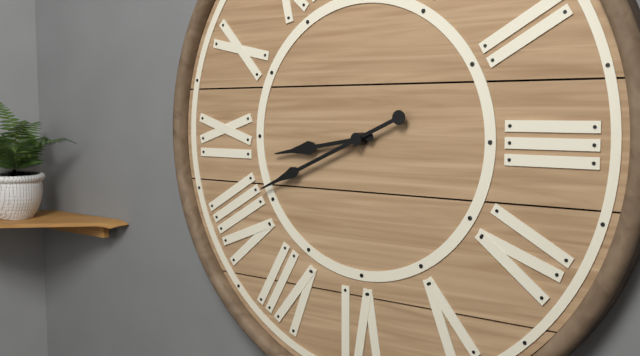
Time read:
**8:41**
